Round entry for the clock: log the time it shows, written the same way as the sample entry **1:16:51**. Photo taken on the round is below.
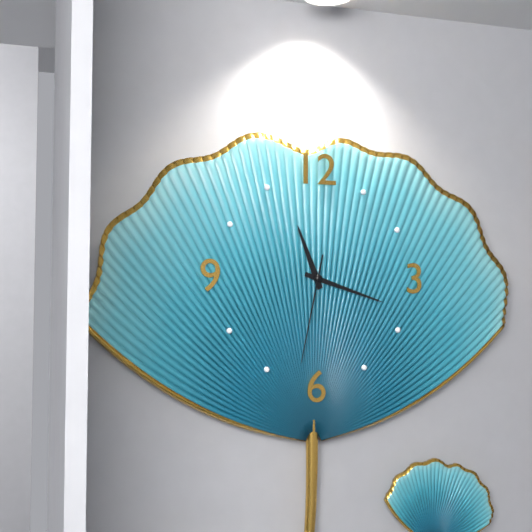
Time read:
**11:18:32**
